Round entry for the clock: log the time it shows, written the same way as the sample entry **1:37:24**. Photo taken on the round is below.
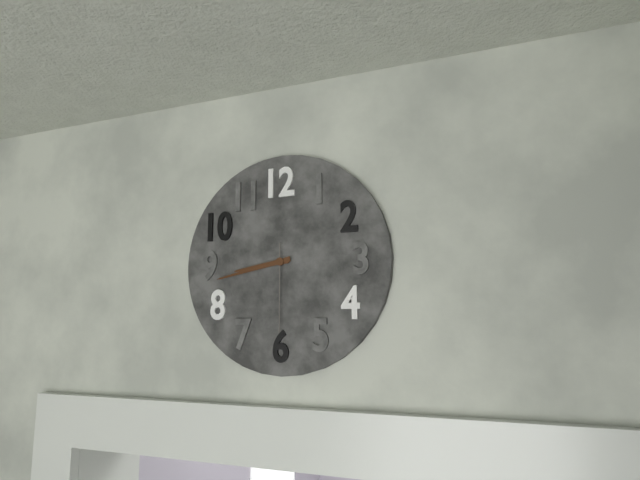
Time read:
**8:43:30**
